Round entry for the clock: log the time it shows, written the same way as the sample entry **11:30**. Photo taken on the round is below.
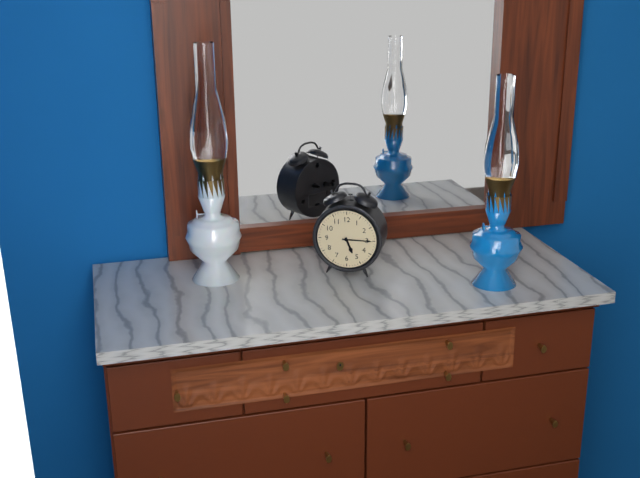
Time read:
**5:15**
